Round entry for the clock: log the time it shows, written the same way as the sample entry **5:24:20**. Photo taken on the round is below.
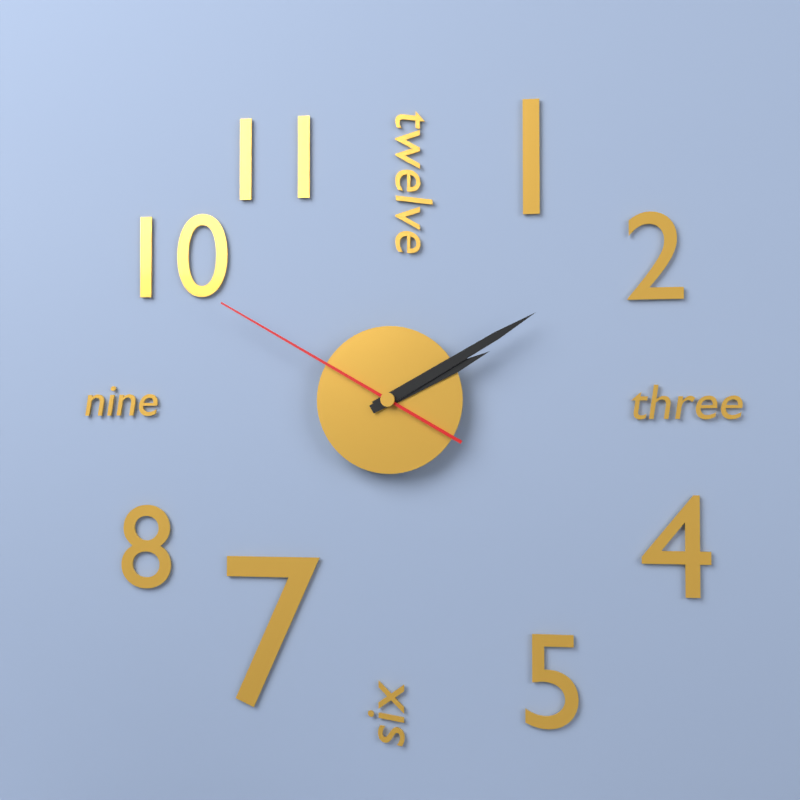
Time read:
**2:10:50**
